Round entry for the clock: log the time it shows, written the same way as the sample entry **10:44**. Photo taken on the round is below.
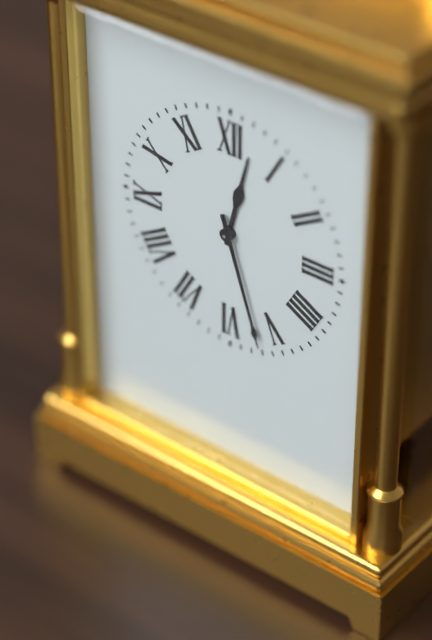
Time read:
**12:27**
